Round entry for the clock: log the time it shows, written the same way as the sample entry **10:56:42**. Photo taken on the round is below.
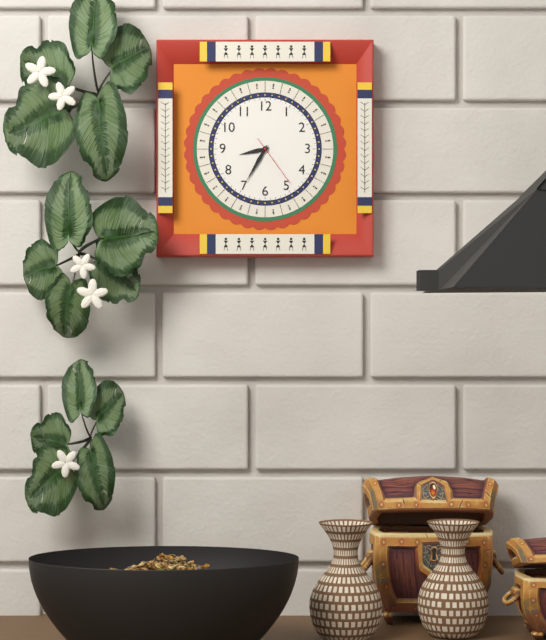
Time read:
**8:35:24**
